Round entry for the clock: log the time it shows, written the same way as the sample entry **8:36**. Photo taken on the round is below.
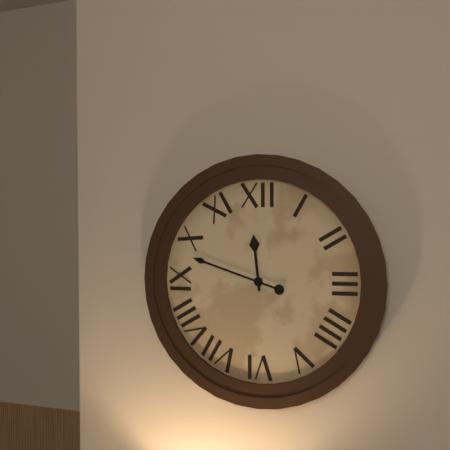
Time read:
**11:48**
